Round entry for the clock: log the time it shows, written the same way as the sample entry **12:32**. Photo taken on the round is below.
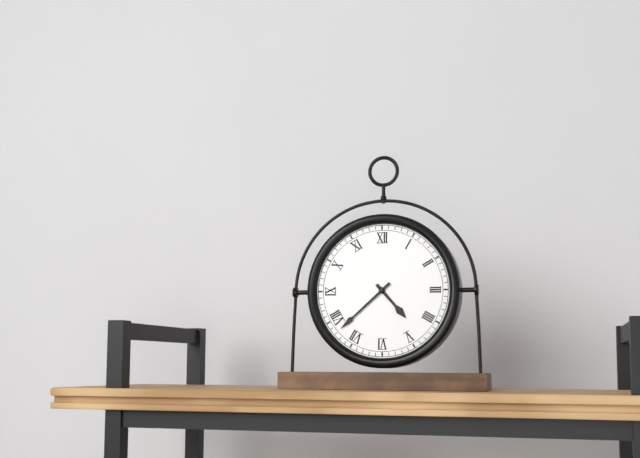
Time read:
**4:38**
